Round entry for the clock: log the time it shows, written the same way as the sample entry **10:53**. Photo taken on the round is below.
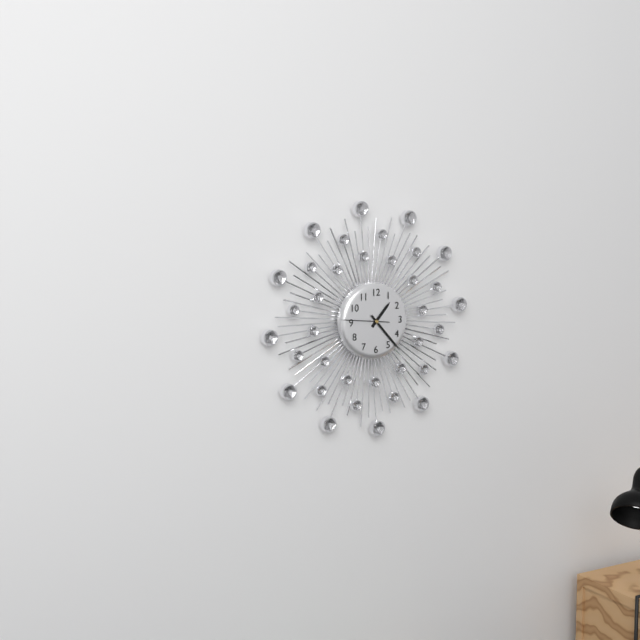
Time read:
**1:23**
